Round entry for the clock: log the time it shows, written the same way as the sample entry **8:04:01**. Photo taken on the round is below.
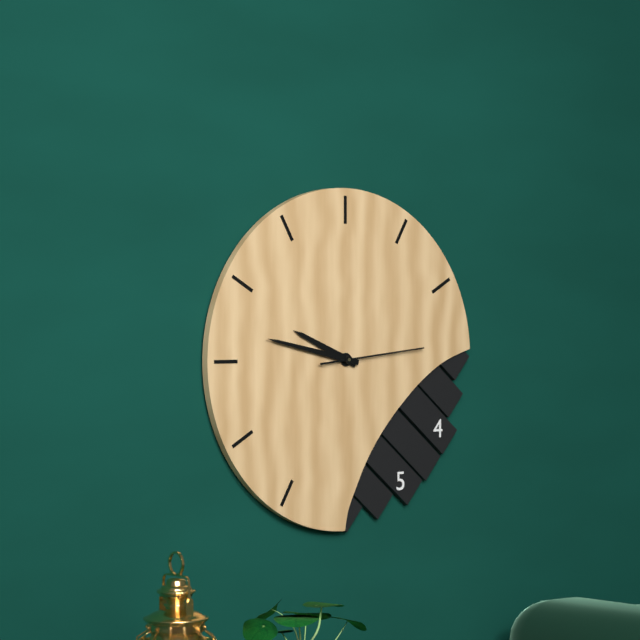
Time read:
**9:47:14**
